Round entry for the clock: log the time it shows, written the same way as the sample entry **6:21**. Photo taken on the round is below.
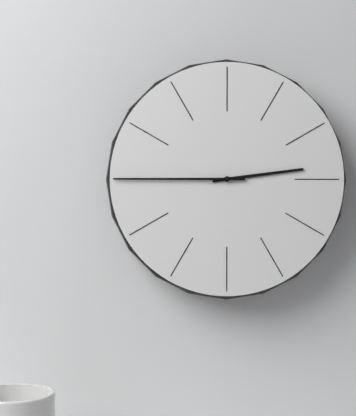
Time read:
**2:45**
